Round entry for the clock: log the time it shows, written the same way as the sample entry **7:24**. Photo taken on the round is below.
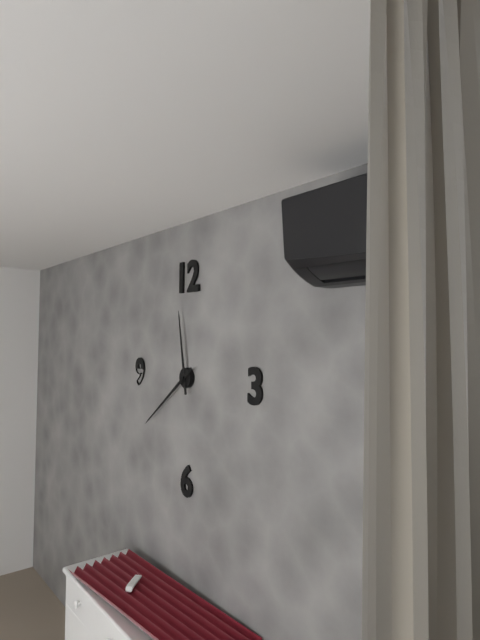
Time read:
**11:39**
